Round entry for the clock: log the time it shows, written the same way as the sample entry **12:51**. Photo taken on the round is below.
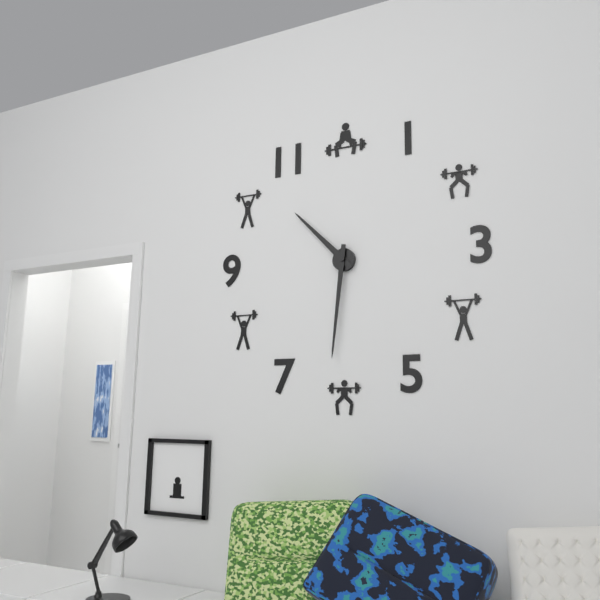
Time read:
**10:31**
